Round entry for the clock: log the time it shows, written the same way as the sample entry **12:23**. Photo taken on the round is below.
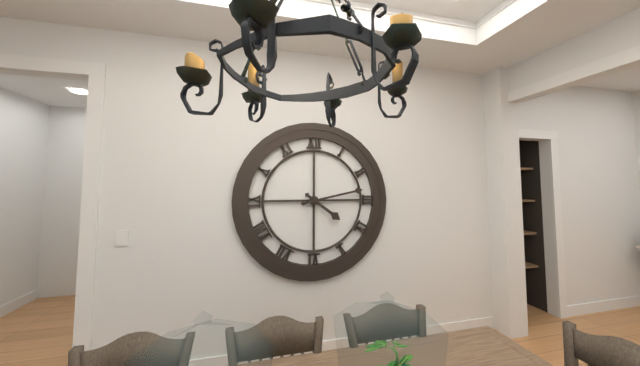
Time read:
**4:13**
